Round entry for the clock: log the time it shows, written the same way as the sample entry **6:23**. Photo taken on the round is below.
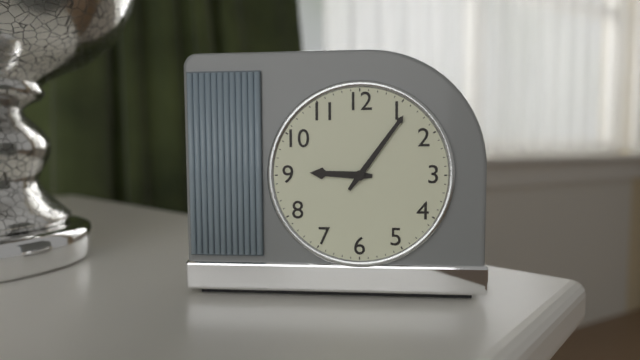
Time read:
**9:06**
